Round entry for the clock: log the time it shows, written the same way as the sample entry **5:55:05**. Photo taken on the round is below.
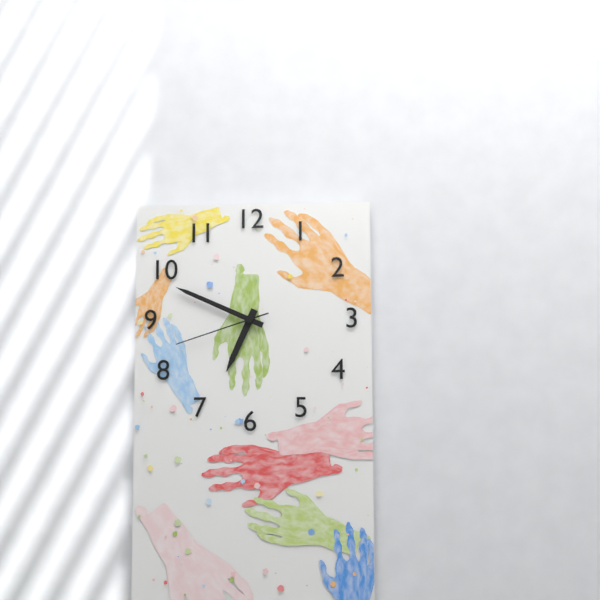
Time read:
**6:49:42**
